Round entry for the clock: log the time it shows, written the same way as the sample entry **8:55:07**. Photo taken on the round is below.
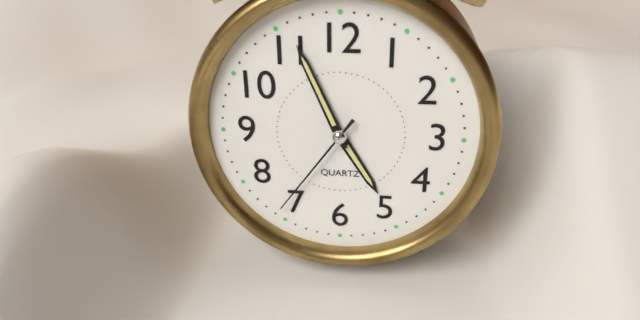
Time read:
**4:56:36**
